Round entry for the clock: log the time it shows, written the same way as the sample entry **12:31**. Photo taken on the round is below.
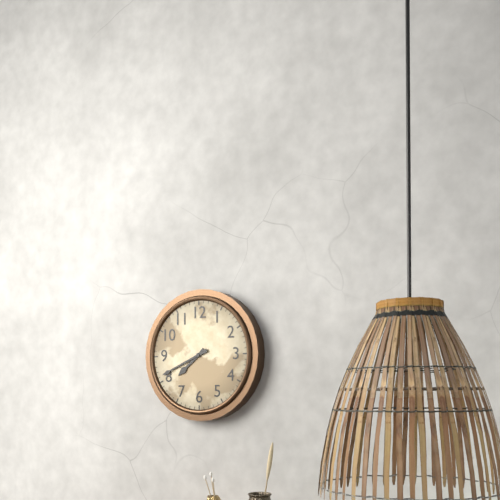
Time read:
**7:41**
